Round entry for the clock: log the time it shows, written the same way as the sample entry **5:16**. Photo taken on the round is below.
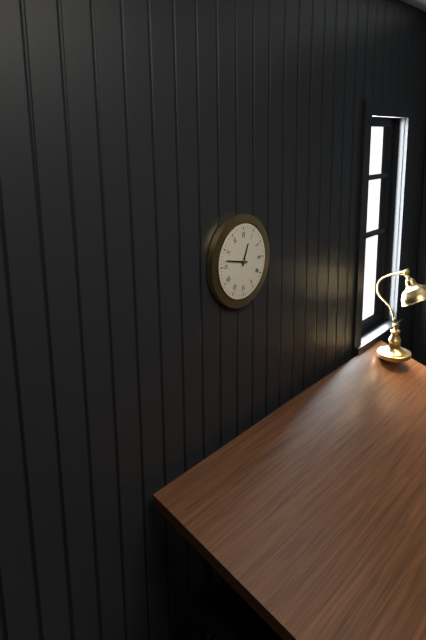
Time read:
**12:47**
